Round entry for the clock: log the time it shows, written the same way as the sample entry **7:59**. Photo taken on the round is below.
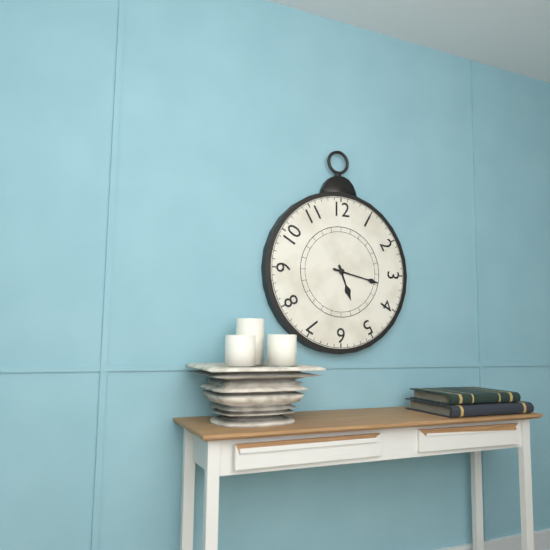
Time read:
**5:17**
